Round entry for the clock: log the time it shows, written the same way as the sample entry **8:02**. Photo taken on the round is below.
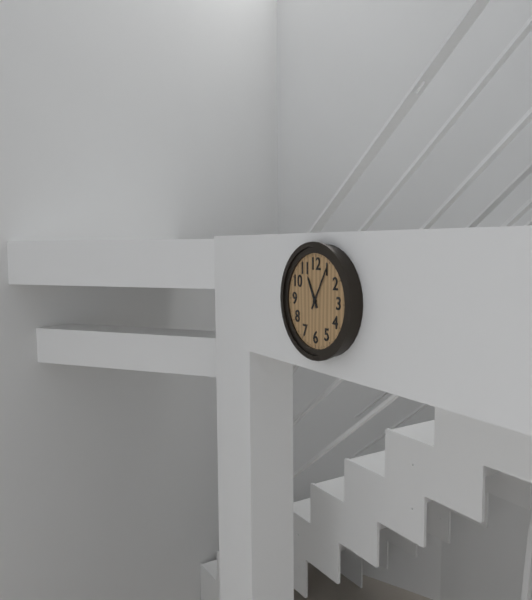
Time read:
**11:05**
